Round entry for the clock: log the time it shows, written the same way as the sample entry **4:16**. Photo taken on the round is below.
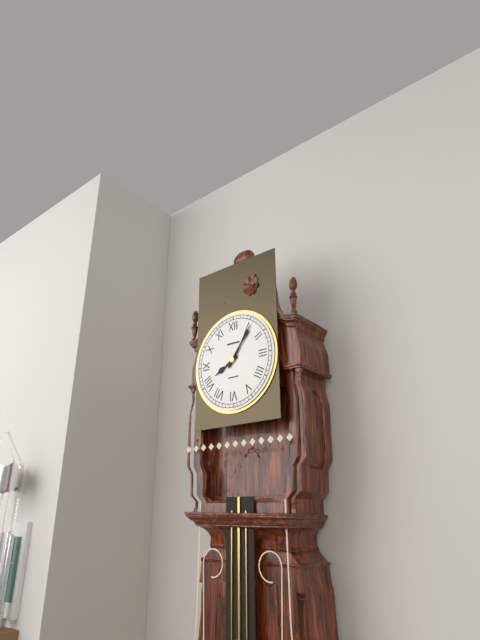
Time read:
**8:06**
